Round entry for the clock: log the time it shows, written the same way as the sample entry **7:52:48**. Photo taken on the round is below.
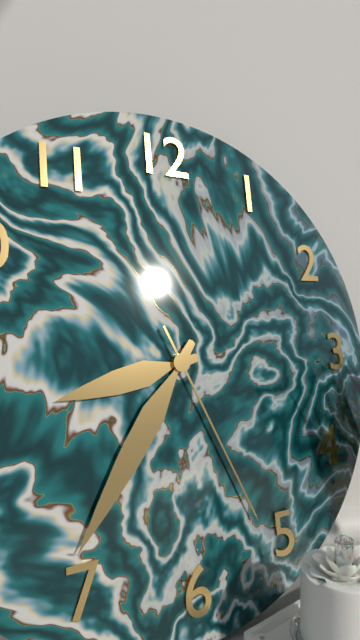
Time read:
**8:36:26**
